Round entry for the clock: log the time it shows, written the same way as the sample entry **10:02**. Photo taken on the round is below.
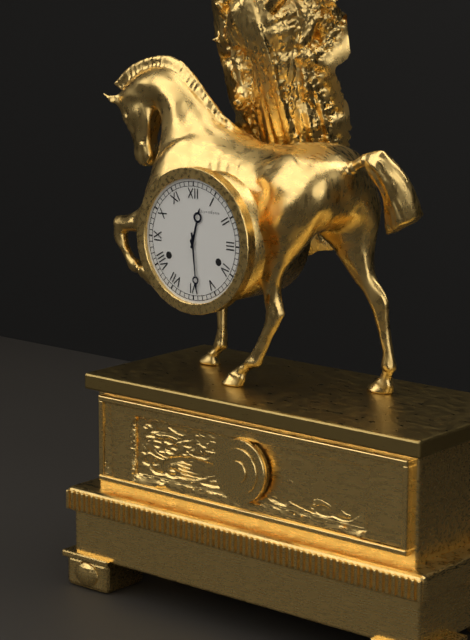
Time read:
**12:29**
